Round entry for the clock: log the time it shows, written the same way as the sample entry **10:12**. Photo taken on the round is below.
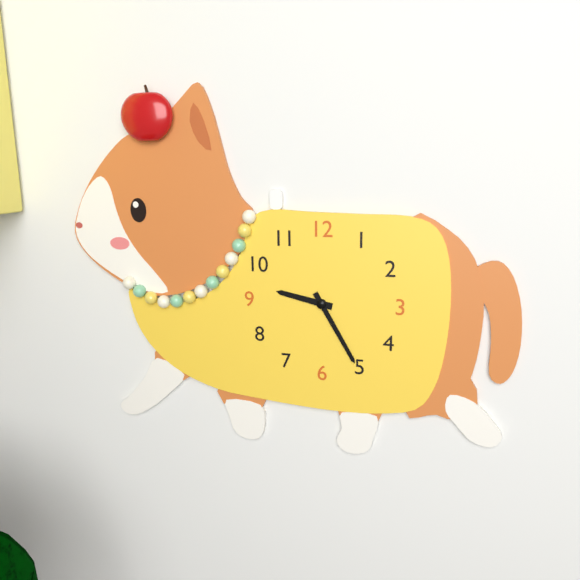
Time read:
**9:25**
